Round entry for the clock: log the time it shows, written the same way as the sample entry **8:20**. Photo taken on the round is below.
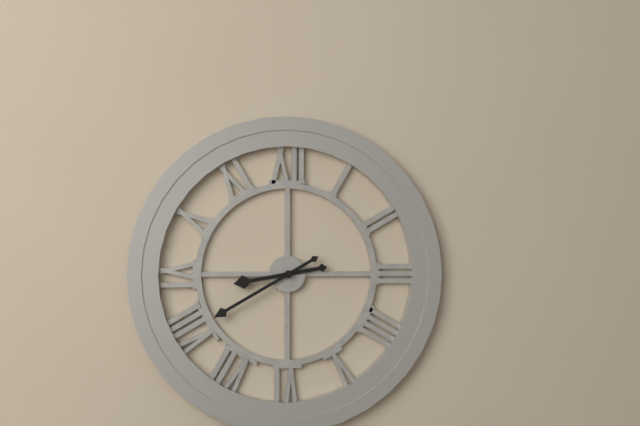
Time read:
**8:40**
